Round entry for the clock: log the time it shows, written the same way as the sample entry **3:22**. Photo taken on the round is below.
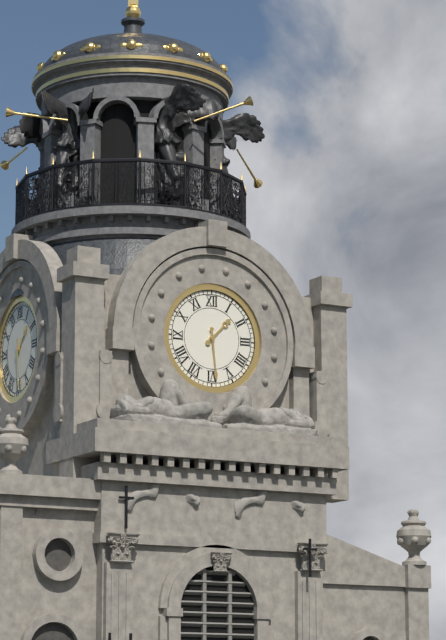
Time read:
**1:29**
